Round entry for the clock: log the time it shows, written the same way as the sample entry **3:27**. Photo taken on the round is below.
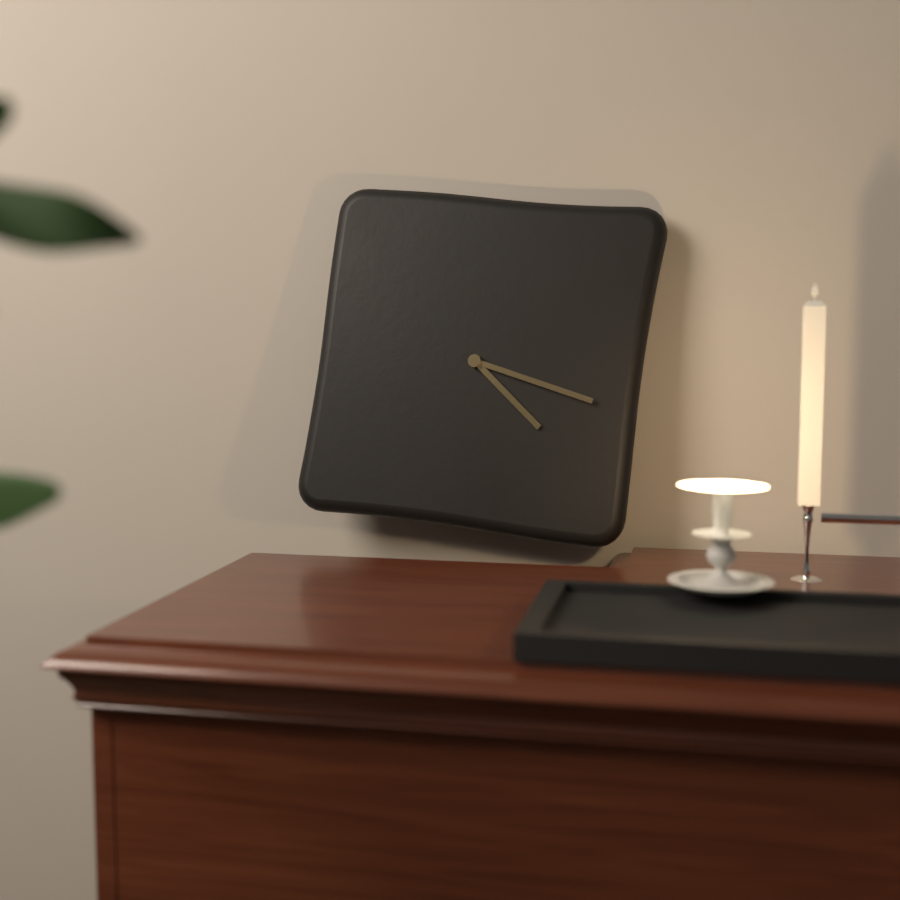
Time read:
**4:17**
